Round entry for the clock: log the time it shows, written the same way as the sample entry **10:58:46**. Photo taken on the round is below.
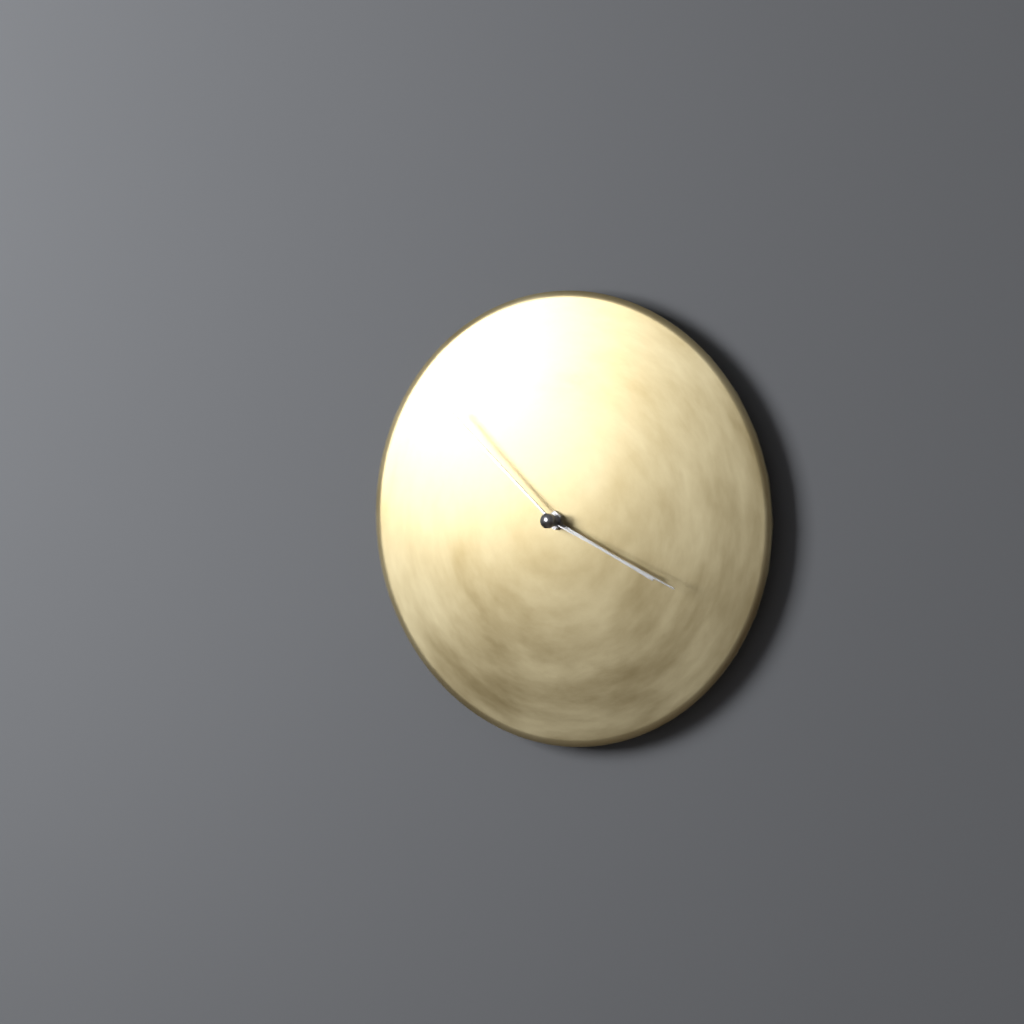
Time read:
**3:52:19**
